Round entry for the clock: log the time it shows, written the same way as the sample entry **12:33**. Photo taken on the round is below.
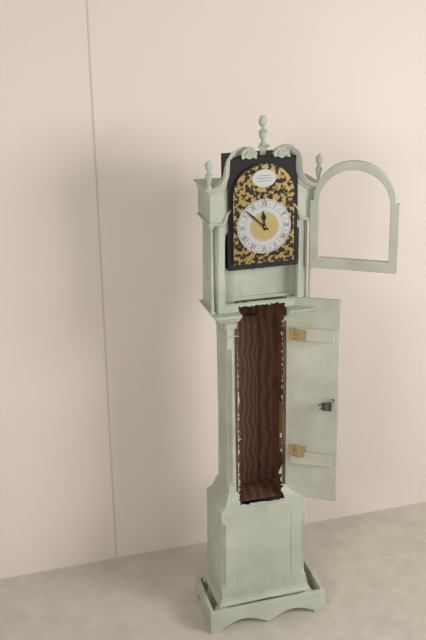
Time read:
**11:52**
